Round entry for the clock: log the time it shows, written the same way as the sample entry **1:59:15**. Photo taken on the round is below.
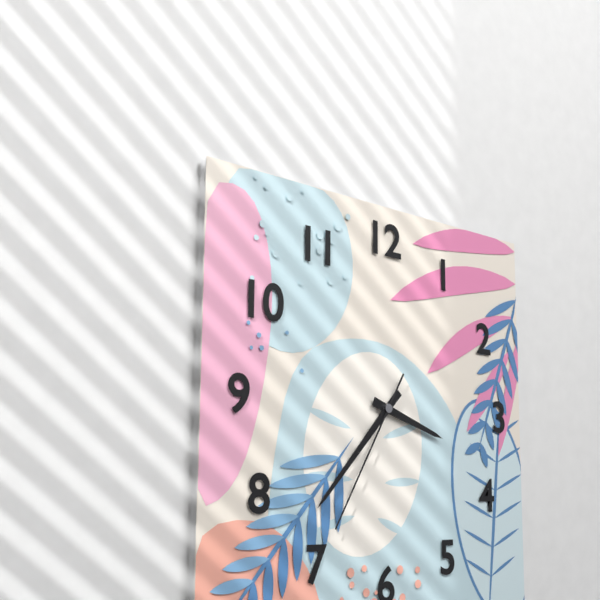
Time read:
**3:37:35**
